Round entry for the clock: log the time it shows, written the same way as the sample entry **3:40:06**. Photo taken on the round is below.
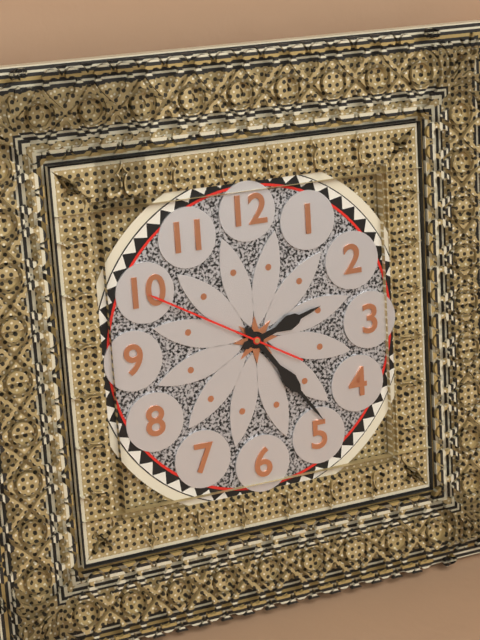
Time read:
**2:24:50**
